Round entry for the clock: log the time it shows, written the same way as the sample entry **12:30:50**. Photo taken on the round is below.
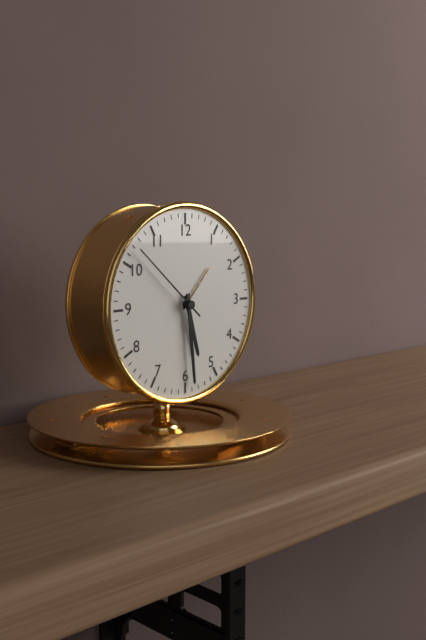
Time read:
**5:29:52**
